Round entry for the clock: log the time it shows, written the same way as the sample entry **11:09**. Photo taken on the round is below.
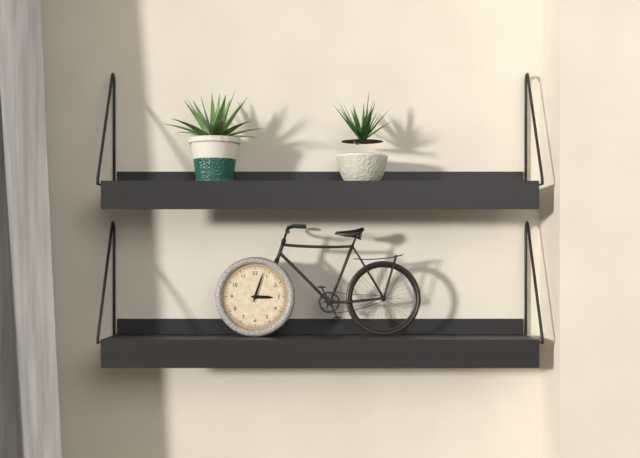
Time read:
**3:03**
